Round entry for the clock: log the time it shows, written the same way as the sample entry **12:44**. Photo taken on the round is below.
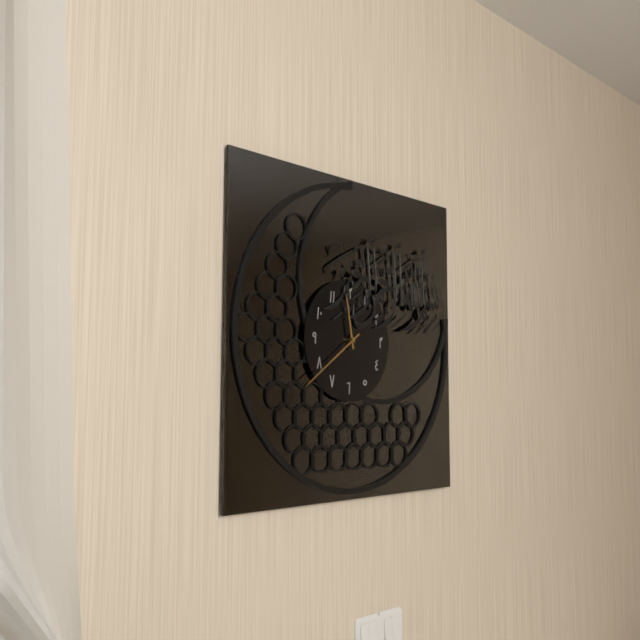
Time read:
**11:39**
